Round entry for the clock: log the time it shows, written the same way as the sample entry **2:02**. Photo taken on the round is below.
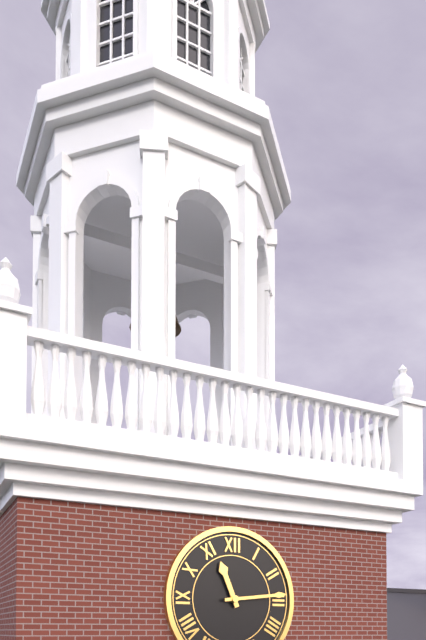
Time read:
**11:14**
